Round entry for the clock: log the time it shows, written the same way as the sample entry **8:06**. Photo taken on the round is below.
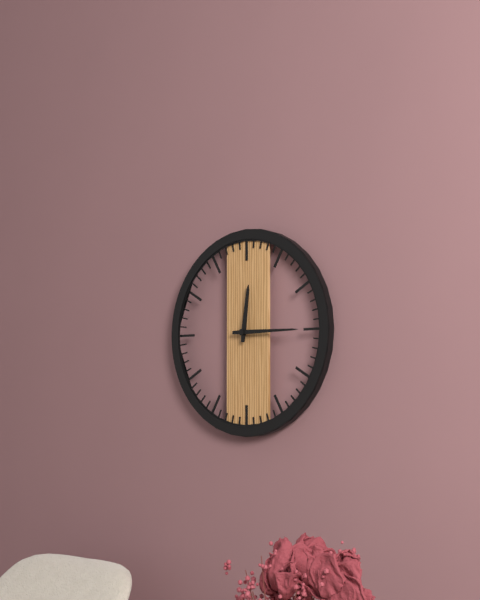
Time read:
**12:15**
